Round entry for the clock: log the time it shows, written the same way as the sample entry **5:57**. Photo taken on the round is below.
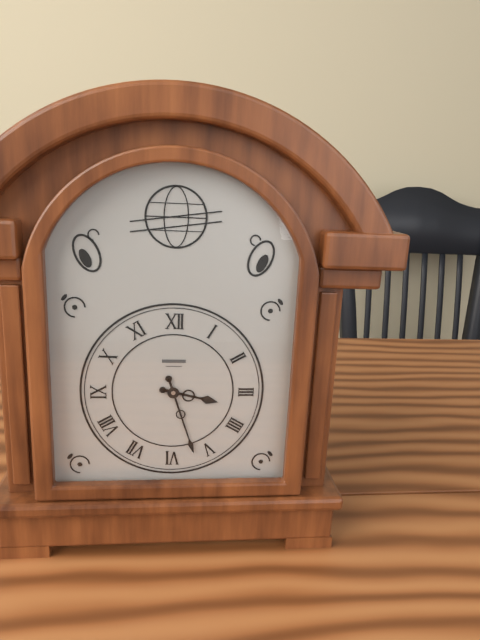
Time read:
**3:27**
